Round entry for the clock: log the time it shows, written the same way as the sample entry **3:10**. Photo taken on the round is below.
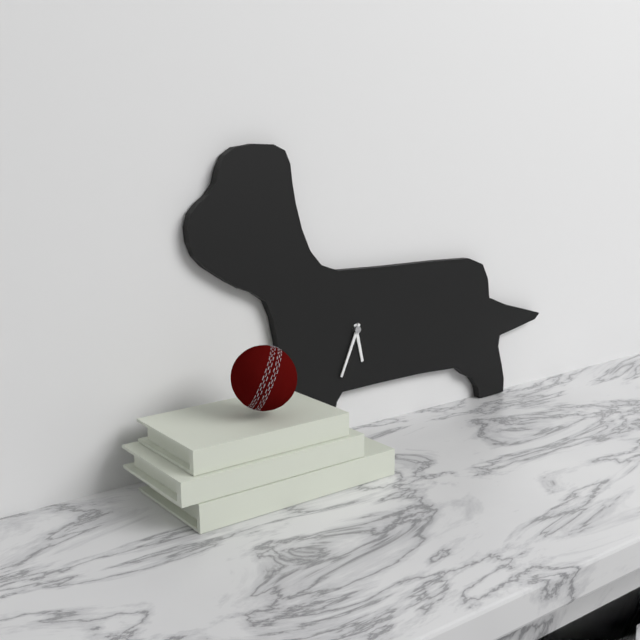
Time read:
**5:34**
